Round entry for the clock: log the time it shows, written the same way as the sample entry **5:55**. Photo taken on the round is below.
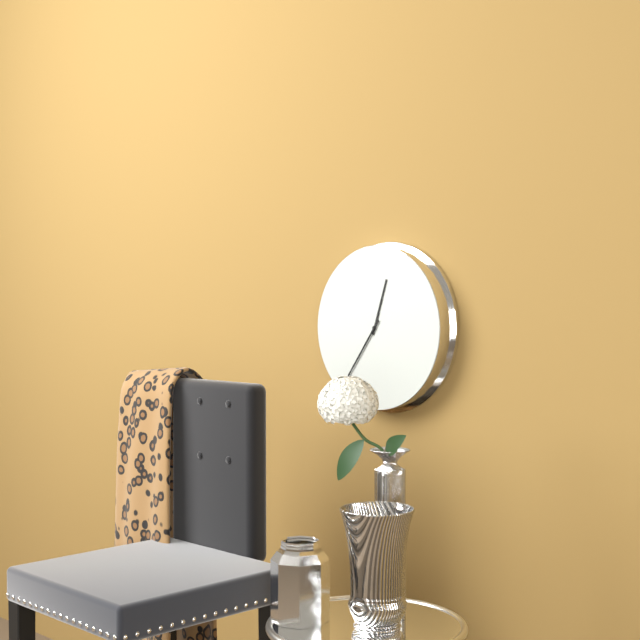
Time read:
**12:36**
